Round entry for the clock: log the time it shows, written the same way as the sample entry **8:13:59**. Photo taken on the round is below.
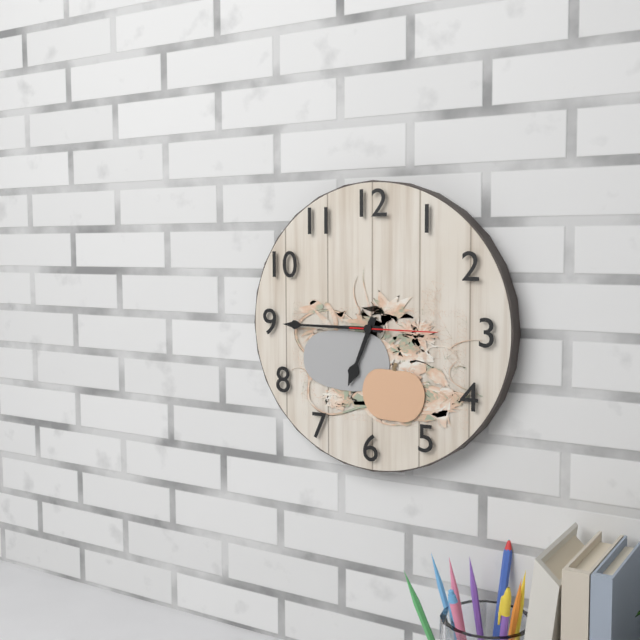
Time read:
**6:45:15**
